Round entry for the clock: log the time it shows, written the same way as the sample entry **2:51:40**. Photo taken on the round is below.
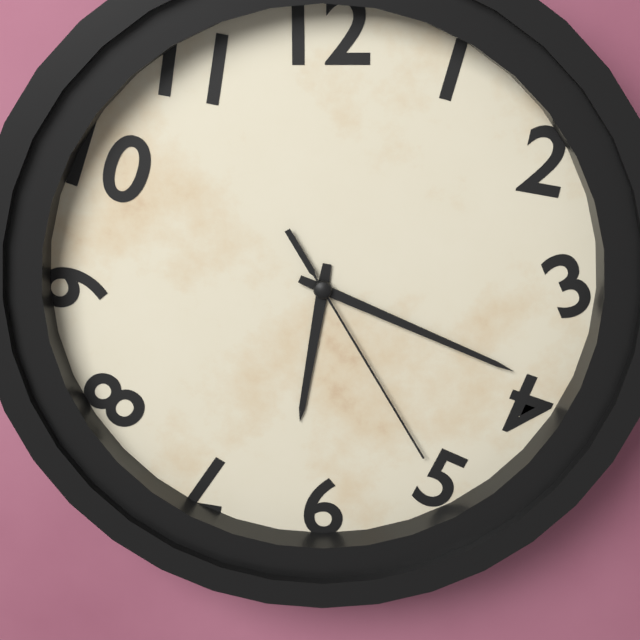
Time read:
**6:19:25**
